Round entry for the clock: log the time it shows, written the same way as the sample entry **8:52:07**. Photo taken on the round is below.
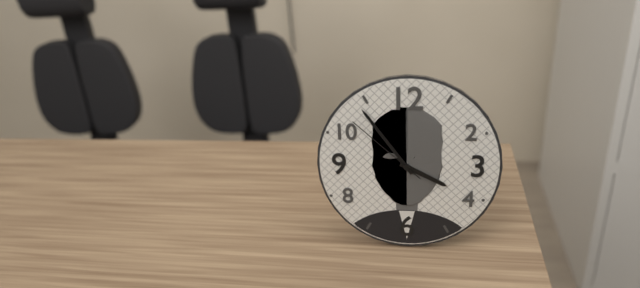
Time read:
**3:54:52**
